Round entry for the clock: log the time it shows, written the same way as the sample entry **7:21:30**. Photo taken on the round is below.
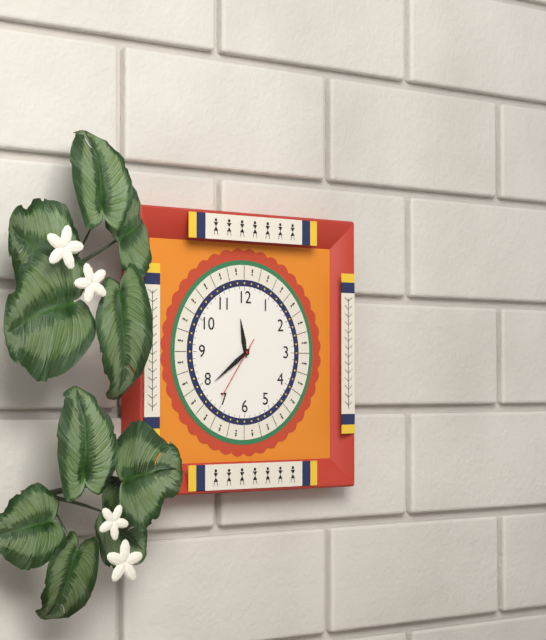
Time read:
**11:39:36**
